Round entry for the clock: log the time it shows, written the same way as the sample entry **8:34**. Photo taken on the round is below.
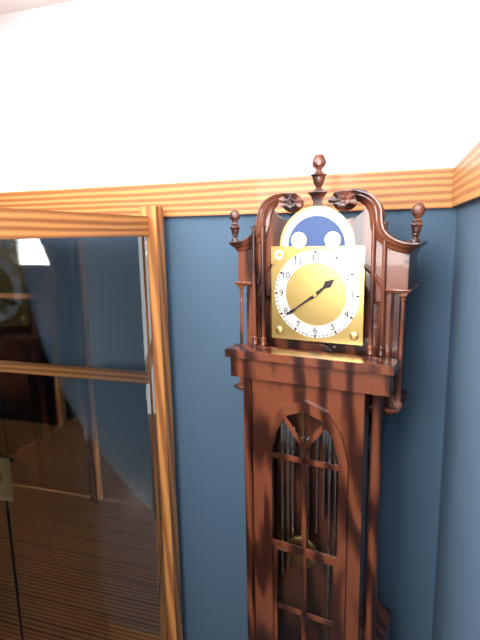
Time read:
**1:39**
